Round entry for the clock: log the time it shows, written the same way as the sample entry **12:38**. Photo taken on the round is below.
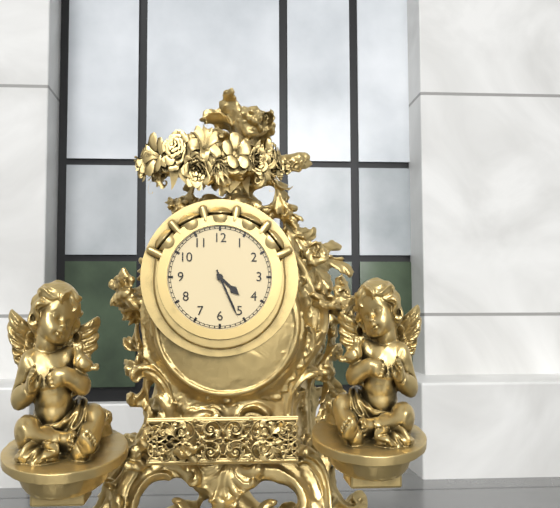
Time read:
**4:26**
